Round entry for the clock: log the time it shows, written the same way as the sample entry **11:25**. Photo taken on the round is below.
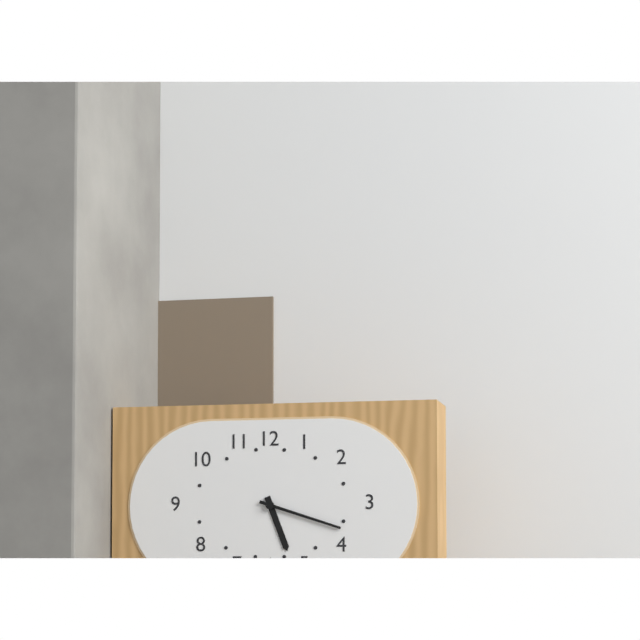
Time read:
**5:18**
